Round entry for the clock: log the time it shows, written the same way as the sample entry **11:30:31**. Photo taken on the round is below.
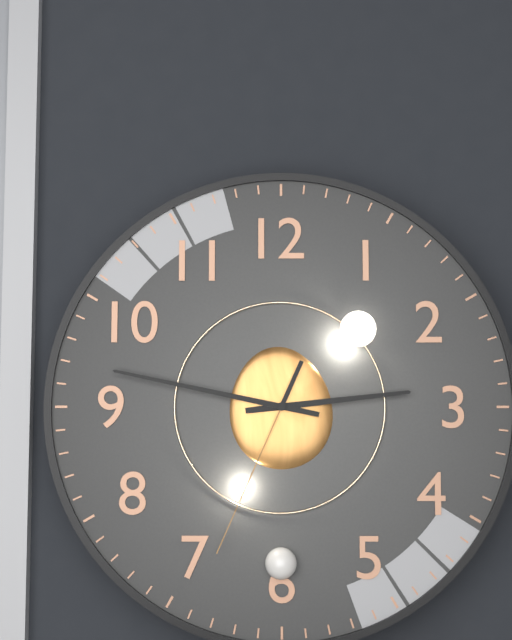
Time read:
**2:47:34**
